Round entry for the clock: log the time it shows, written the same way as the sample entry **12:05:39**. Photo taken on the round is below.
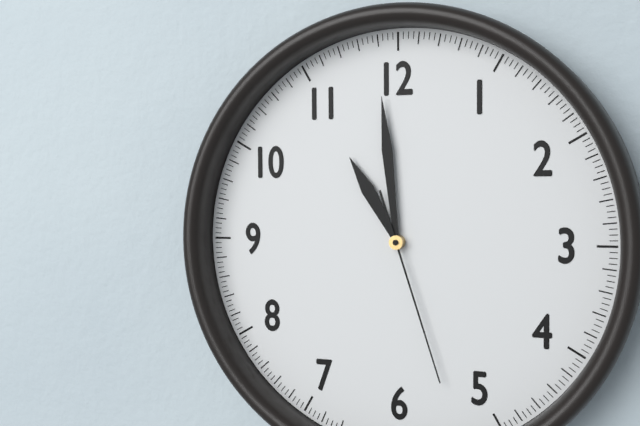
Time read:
**10:59:27**
